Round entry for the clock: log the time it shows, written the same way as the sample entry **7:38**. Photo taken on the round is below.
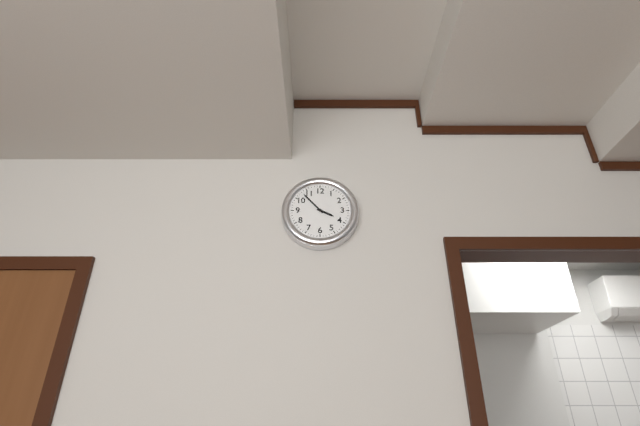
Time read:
**3:53**
